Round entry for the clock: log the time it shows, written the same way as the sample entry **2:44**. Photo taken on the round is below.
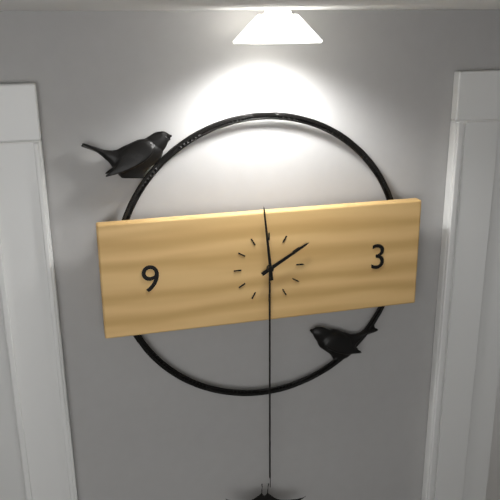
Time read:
**1:59**
